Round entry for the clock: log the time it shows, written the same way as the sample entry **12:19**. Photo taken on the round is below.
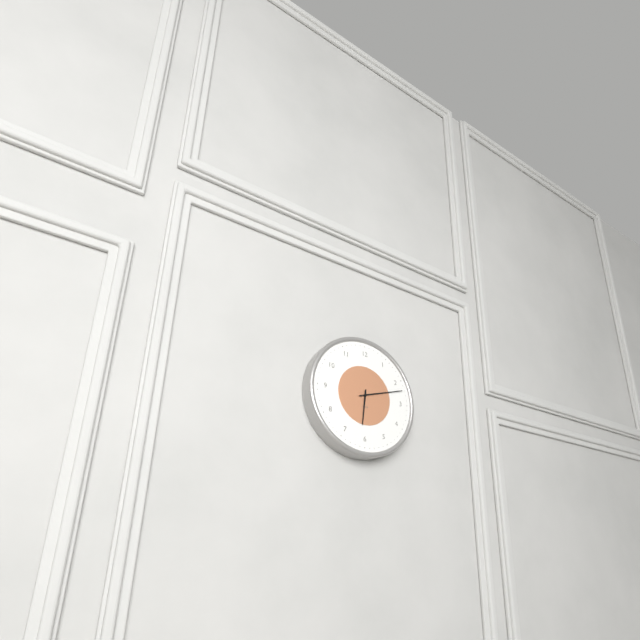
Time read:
**6:12**
